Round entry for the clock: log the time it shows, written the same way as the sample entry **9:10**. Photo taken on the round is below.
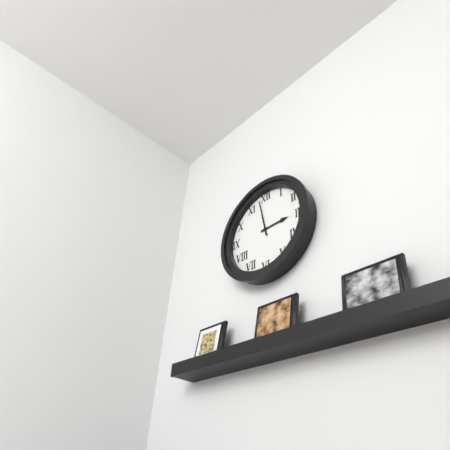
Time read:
**2:58**
